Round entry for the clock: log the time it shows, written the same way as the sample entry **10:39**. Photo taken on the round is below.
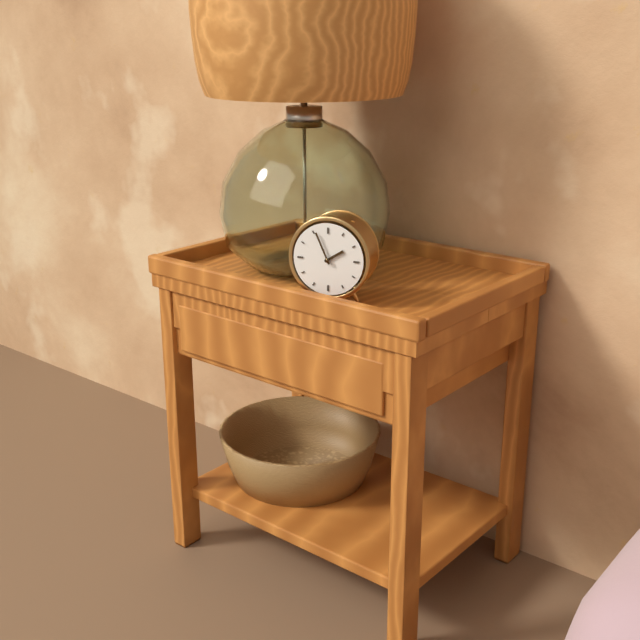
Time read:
**1:56**
